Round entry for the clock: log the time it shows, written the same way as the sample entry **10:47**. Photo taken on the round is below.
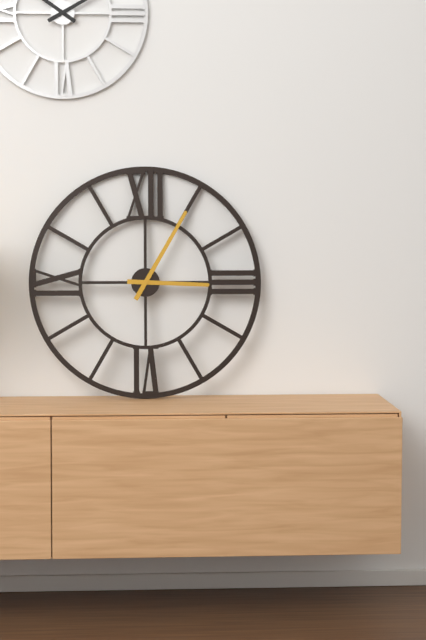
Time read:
**3:05**
